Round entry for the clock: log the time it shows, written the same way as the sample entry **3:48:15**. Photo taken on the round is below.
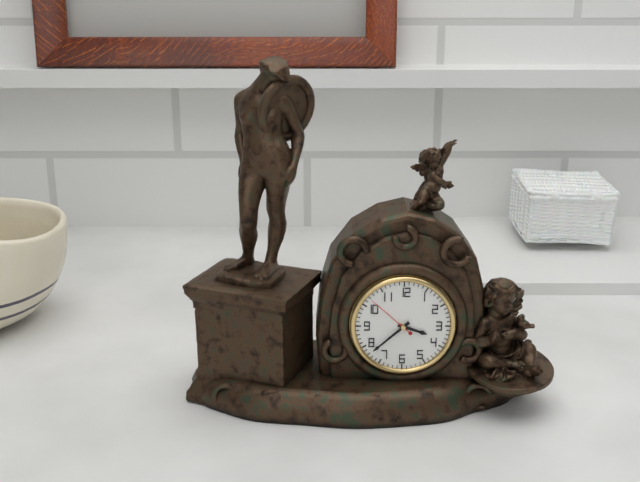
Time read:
**3:38:52**
